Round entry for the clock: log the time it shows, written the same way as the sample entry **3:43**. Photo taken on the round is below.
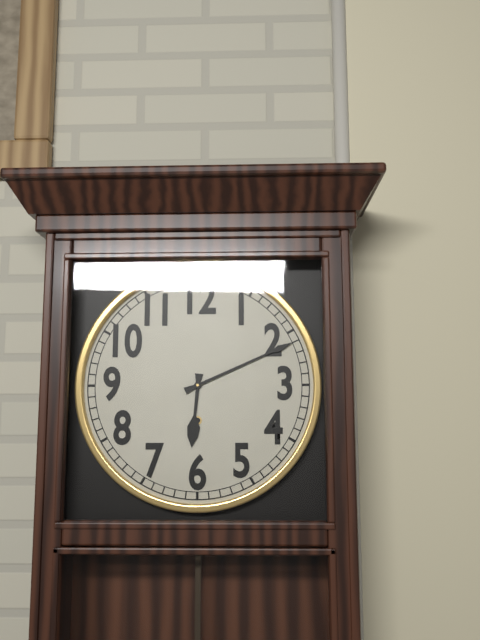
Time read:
**6:11**
